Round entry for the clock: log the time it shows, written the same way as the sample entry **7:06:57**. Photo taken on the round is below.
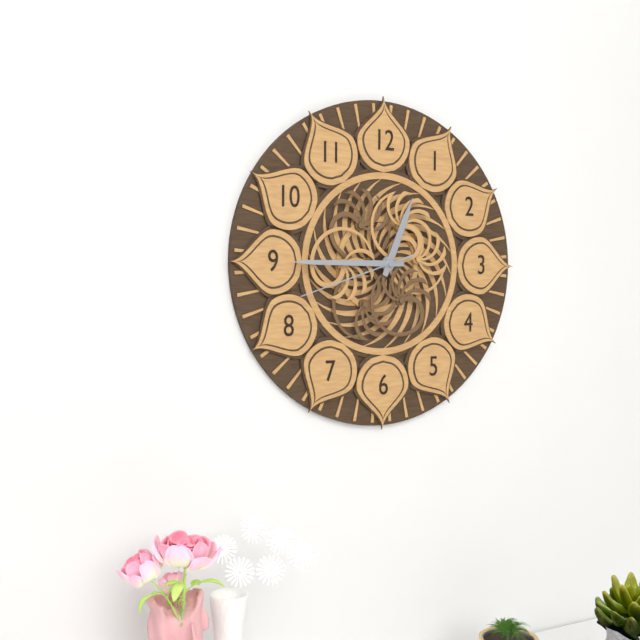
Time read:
**12:45:42**
